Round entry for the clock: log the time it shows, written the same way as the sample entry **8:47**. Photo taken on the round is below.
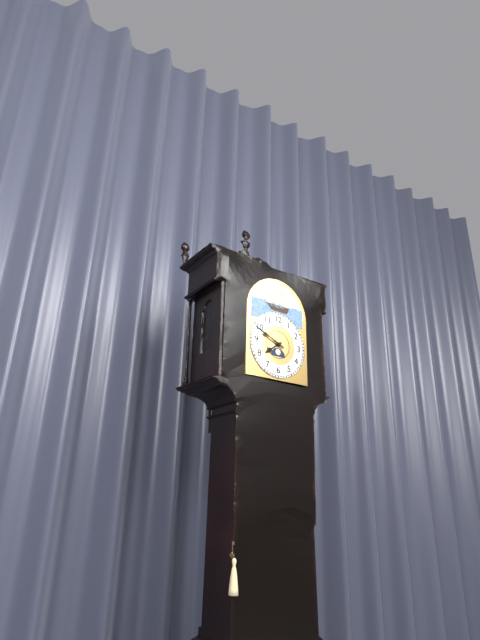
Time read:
**7:49**
